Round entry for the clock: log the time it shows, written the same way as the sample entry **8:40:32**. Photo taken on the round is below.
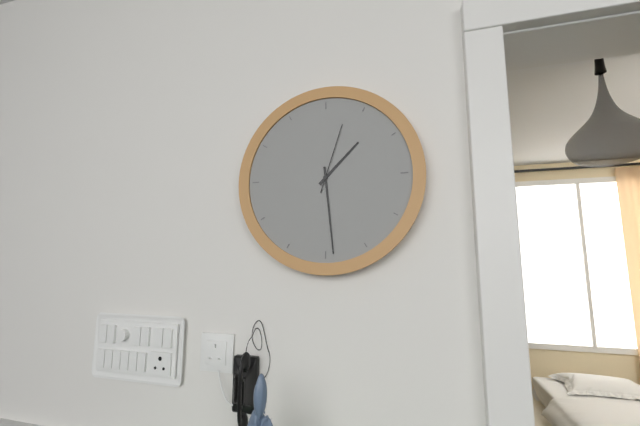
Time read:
**1:29:03**
